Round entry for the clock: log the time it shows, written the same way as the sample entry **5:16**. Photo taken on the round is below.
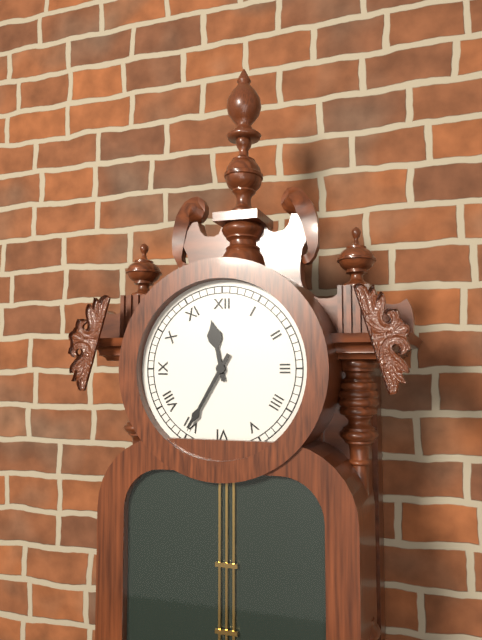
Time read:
**11:35**
